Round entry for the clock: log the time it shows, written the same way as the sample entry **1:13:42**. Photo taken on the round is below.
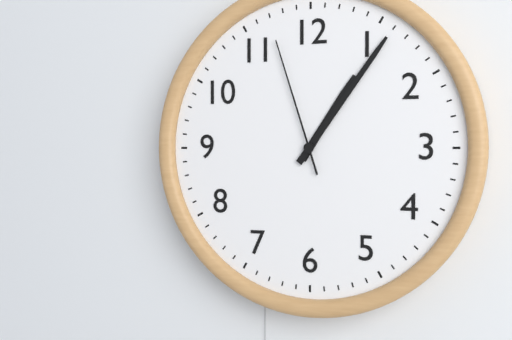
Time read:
**1:06:57**
